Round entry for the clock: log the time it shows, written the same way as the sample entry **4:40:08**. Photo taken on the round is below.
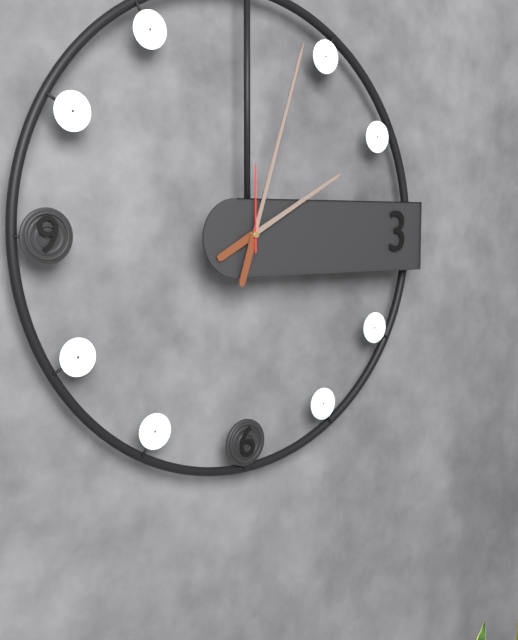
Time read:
**2:03:00**
